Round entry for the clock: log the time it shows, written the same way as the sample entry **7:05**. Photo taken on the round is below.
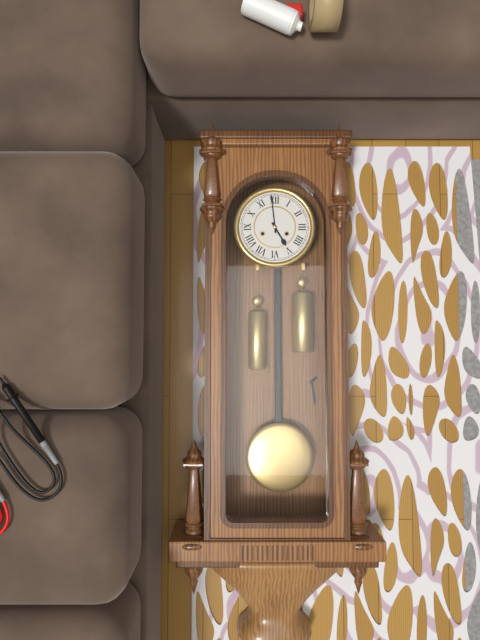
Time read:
**4:59**
